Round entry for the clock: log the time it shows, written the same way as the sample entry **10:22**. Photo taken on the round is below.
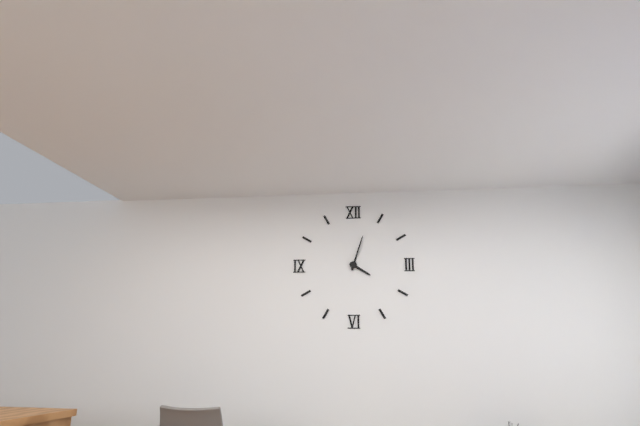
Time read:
**4:03**
